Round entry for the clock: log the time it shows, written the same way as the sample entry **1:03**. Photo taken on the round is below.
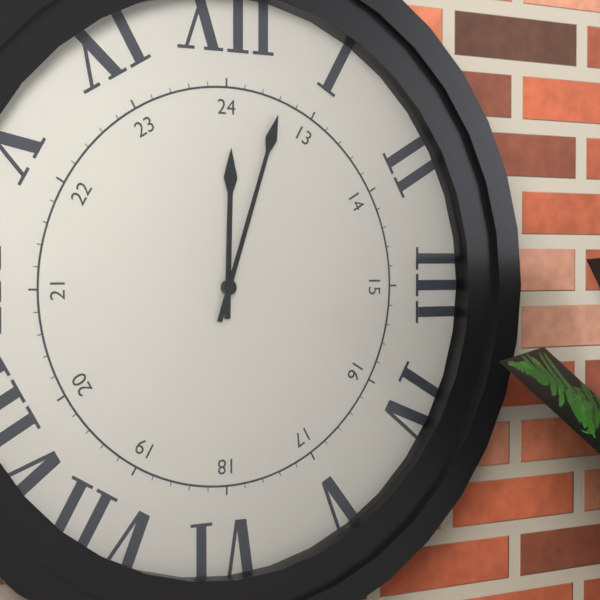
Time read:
**12:03**
